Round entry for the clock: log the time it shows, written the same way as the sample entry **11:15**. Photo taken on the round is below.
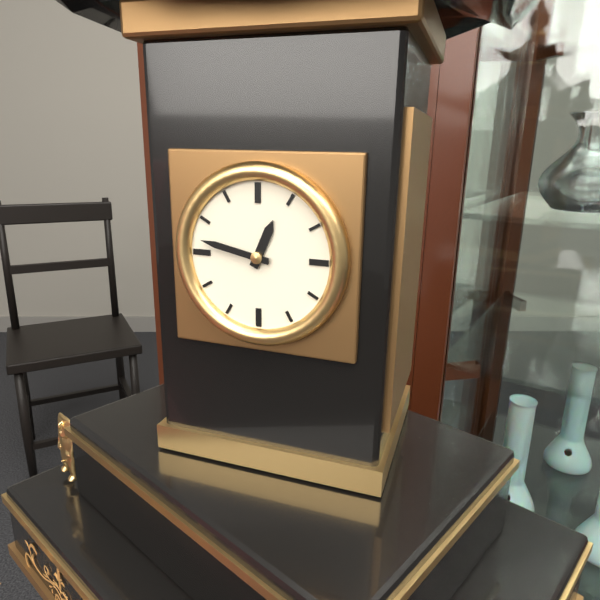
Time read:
**12:47**
